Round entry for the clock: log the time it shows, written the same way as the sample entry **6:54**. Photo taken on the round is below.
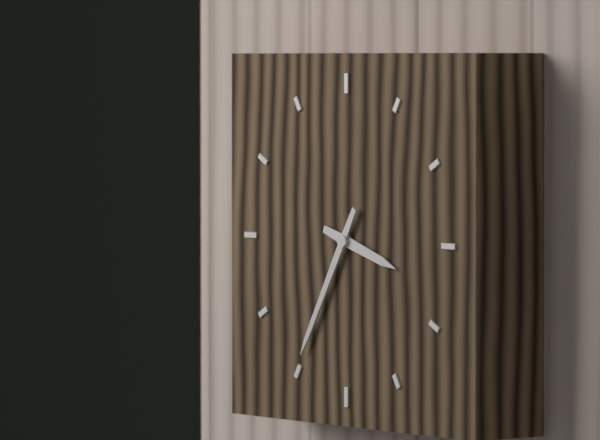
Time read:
**3:35**
